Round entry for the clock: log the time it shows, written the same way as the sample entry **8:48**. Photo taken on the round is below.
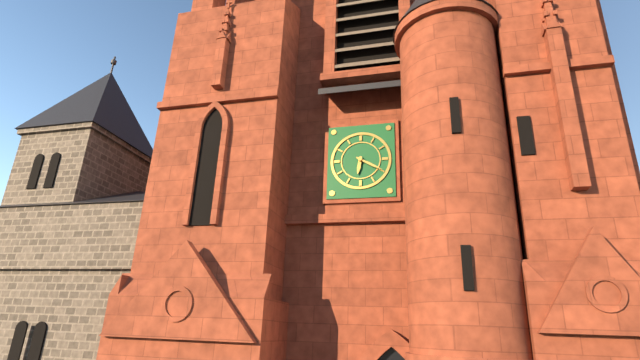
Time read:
**6:20**
